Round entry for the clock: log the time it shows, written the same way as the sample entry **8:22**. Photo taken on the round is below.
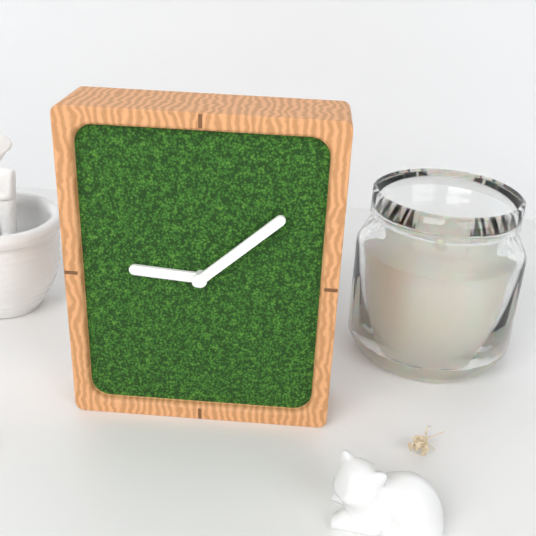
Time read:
**9:08**
